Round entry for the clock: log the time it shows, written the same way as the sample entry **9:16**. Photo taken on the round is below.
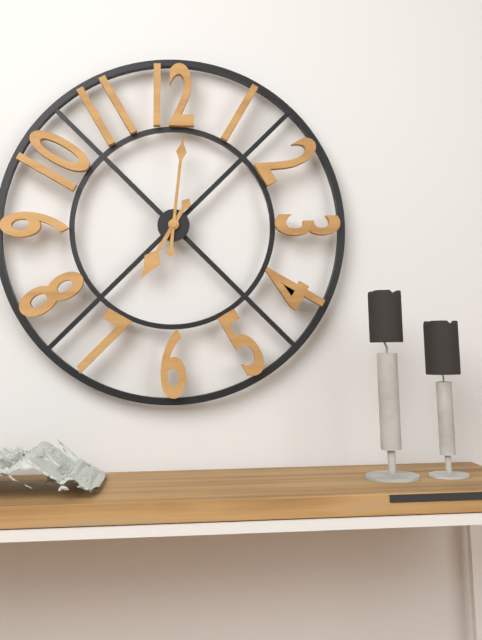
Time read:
**7:01**
